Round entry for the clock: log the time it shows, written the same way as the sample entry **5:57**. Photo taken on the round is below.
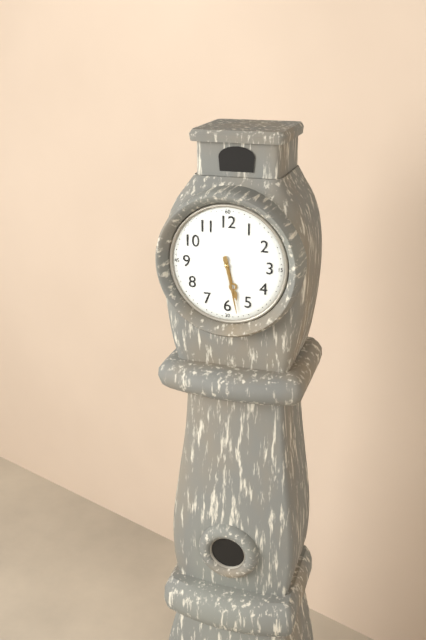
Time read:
**5:28**
